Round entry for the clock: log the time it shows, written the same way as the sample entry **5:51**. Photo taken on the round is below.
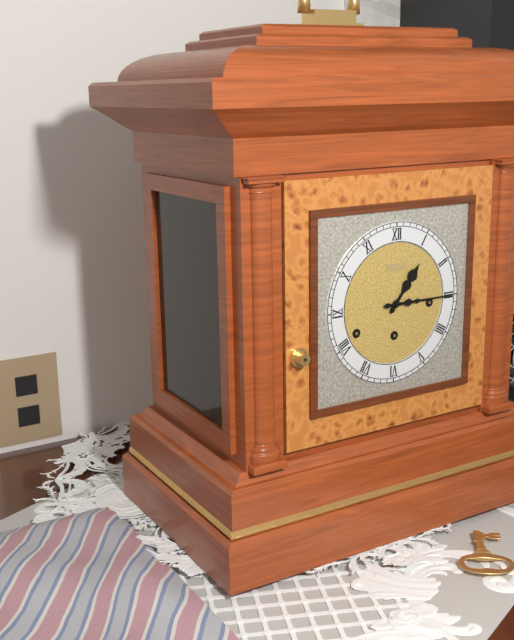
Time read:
**1:15**
